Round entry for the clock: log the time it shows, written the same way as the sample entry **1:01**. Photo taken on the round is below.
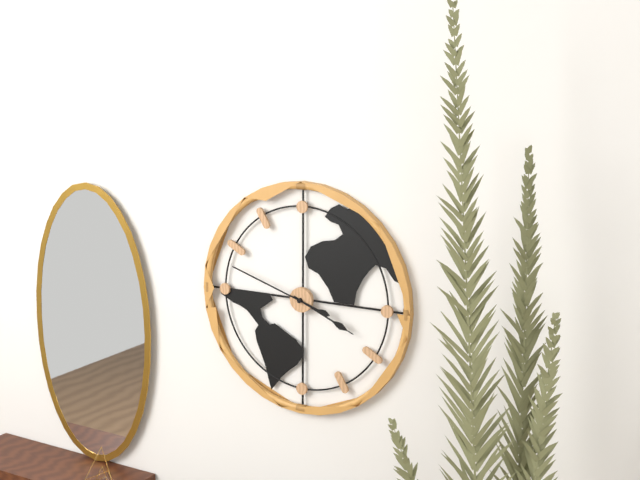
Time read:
**3:48**
